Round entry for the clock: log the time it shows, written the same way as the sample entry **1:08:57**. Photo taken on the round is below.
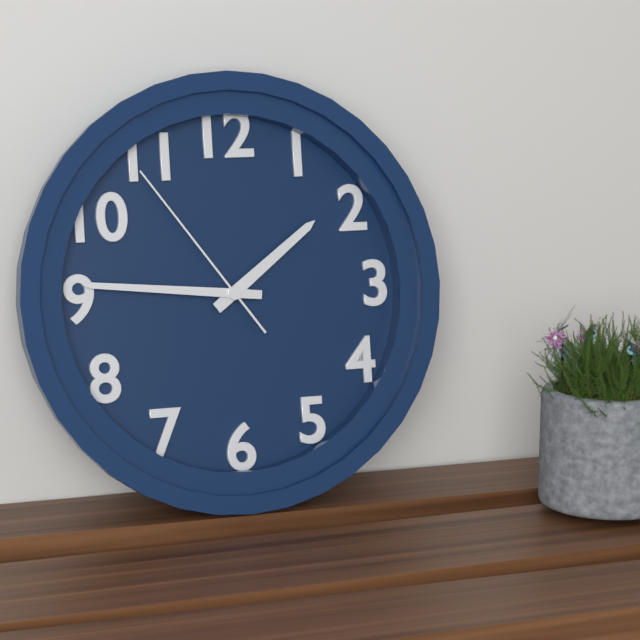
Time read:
**1:46:54**
